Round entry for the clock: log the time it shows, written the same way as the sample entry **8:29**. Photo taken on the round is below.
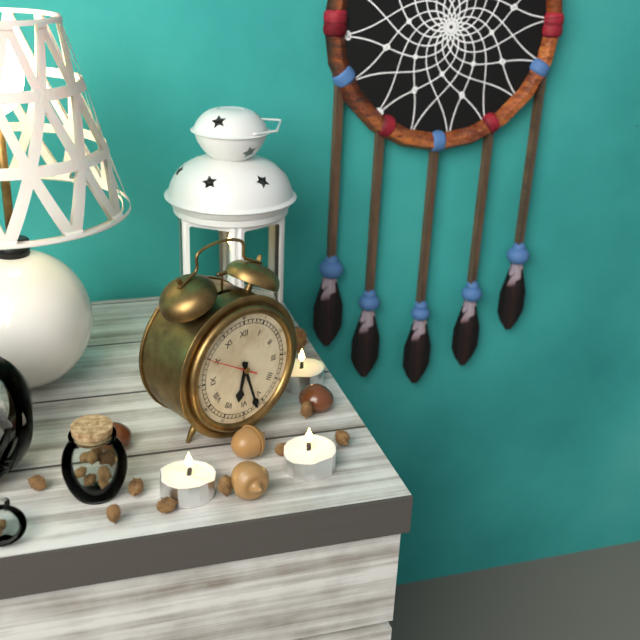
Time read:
**6:27**
